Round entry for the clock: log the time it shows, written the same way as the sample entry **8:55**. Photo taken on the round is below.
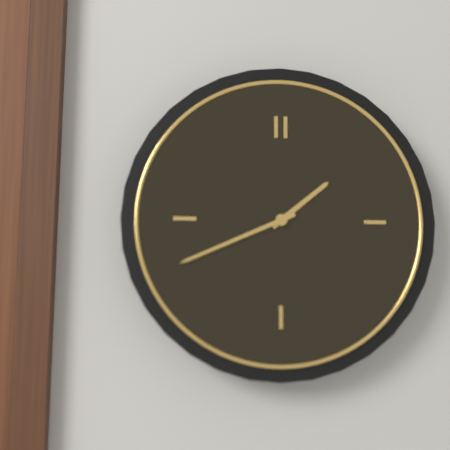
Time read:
**1:41**
